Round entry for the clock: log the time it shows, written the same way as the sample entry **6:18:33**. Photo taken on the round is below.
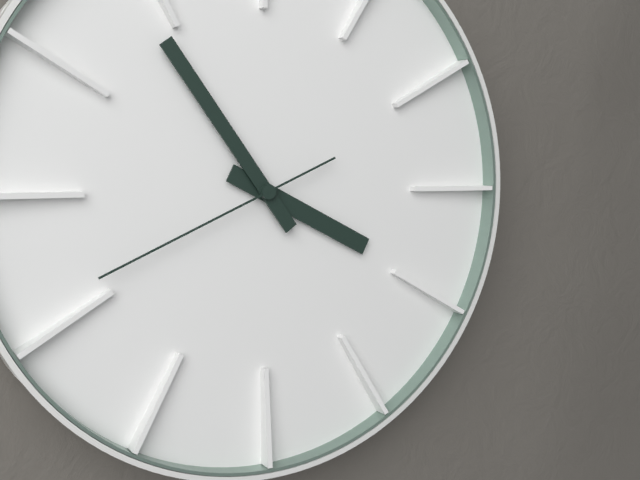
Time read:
**3:54:41**
